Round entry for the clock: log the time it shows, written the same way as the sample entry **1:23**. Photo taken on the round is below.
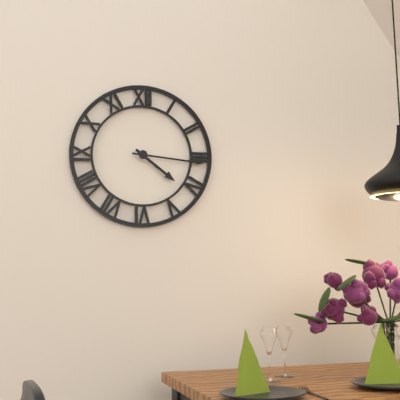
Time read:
**4:16**
